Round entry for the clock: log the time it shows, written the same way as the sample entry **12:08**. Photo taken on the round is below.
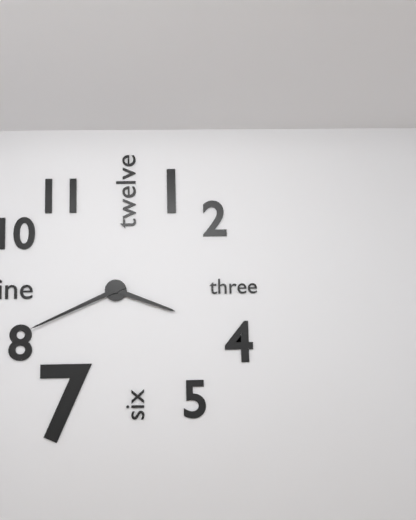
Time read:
**3:41**
